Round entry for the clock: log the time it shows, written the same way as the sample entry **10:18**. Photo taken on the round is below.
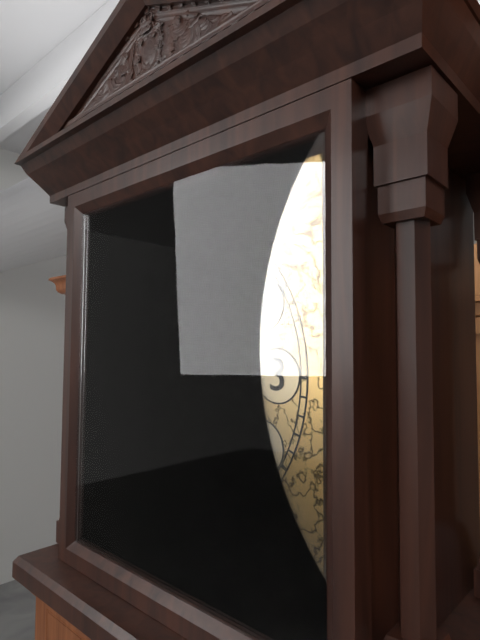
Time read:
**2:39**
